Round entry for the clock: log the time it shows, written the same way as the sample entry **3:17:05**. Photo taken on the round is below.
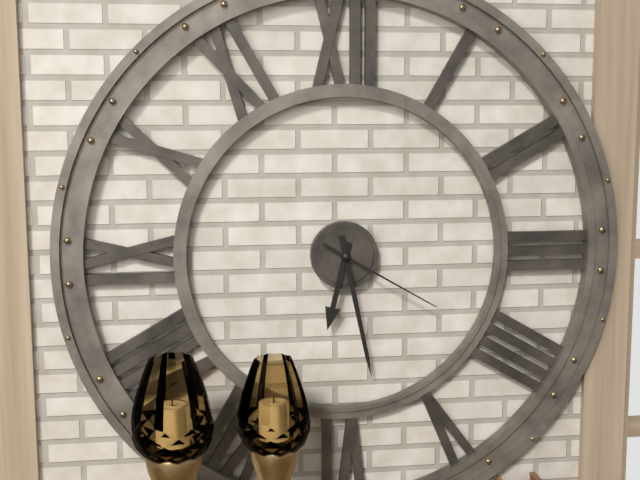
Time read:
**6:28:20**
